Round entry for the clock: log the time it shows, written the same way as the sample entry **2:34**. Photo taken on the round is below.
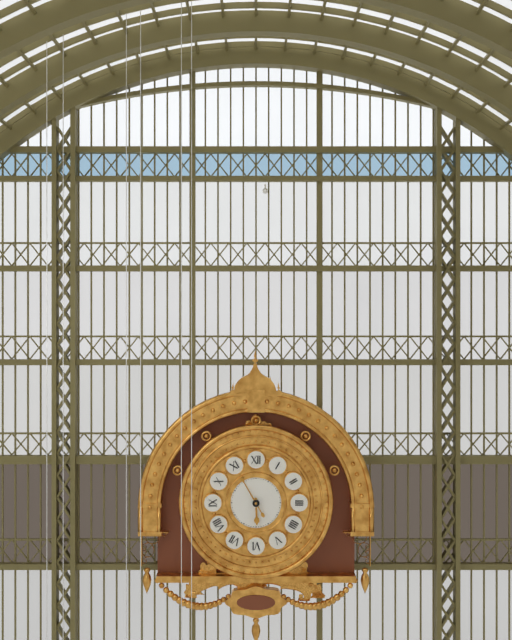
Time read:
**5:55**
